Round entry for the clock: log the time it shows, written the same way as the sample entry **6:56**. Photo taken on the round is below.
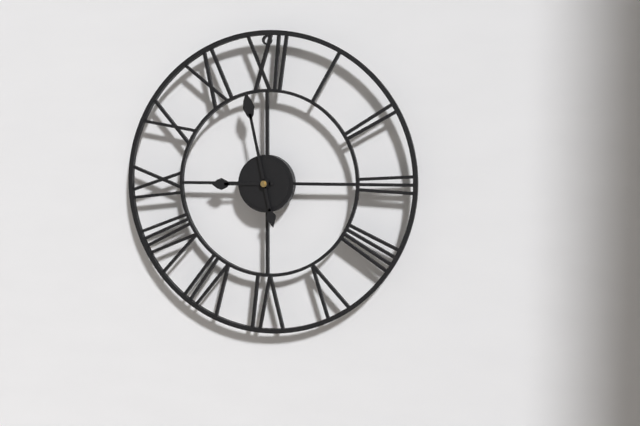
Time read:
**8:58**
